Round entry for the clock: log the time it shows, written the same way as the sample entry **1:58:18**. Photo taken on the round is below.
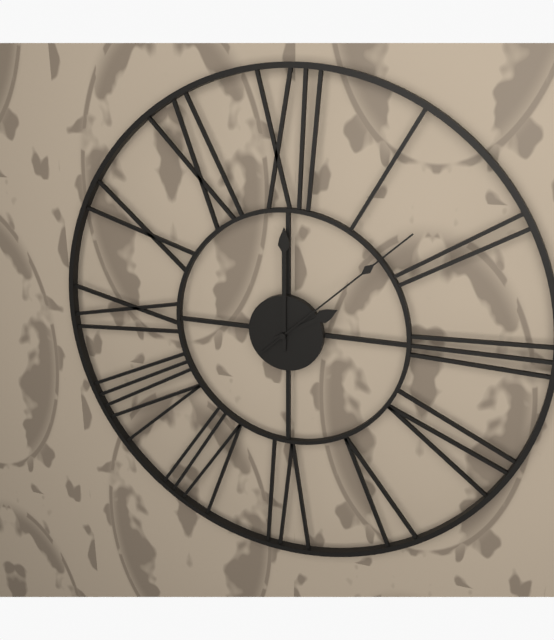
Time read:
**2:00:08**
